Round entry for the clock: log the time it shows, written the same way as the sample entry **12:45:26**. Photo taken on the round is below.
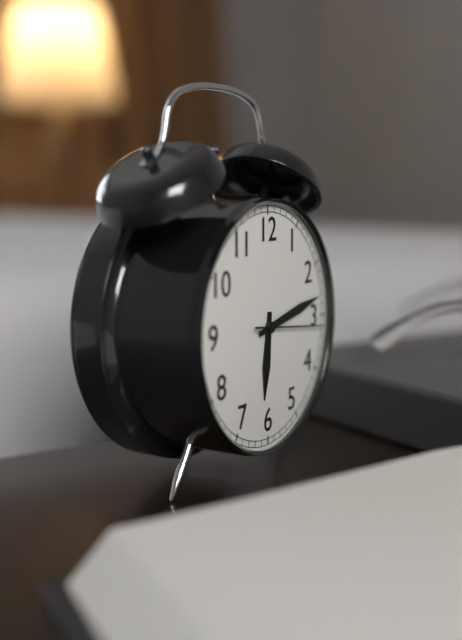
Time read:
**6:13:16**
